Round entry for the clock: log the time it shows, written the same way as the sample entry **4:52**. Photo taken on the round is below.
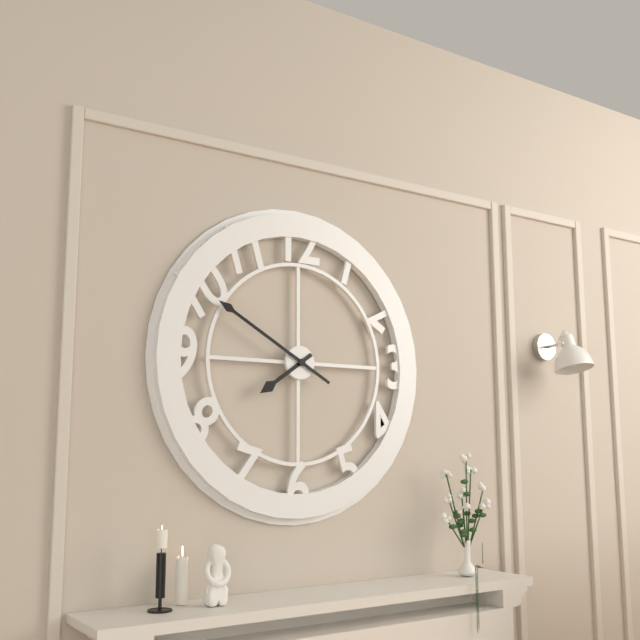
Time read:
**7:50**
